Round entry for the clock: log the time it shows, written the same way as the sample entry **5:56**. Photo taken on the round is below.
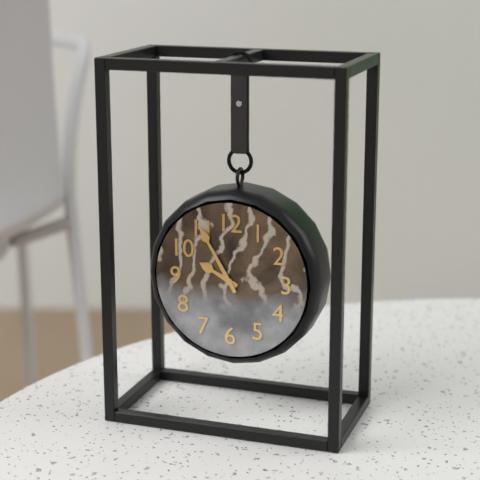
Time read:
**9:55**
